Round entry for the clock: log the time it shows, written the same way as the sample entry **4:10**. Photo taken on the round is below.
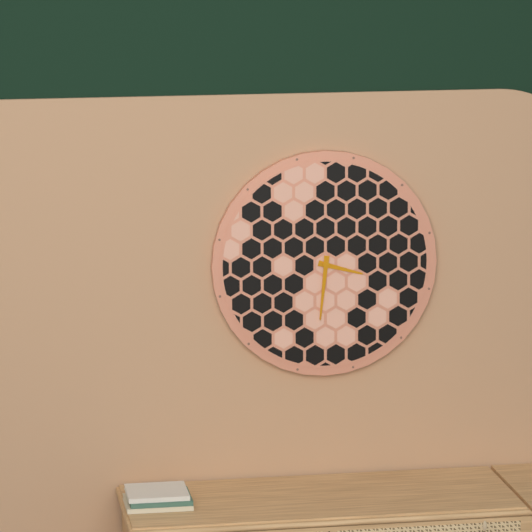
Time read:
**3:31**
